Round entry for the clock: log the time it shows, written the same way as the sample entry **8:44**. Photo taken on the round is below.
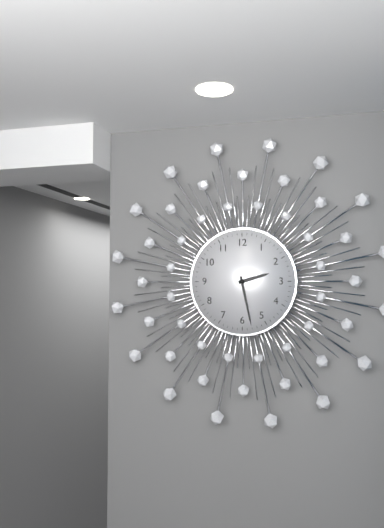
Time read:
**2:28**
